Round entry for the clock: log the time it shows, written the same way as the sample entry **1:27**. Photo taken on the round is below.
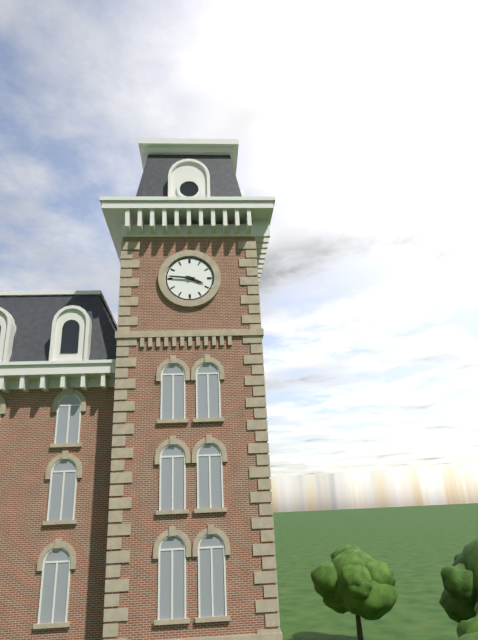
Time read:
**3:46**
